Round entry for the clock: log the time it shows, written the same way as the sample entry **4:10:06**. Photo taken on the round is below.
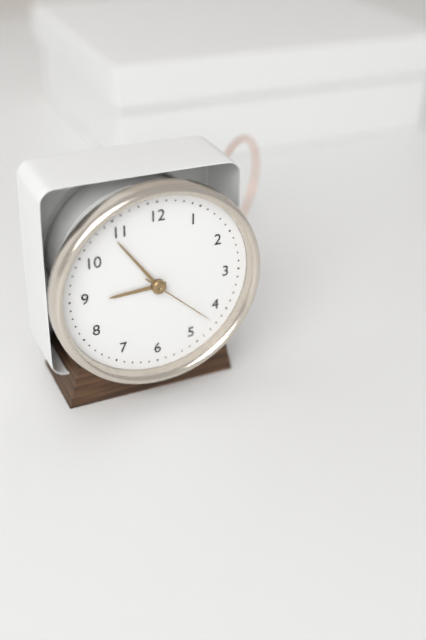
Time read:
**8:54:22**
